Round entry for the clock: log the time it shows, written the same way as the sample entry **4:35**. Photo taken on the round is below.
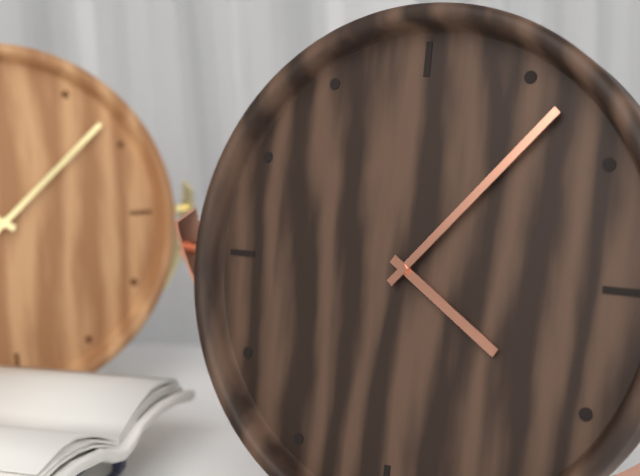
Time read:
**4:07**
